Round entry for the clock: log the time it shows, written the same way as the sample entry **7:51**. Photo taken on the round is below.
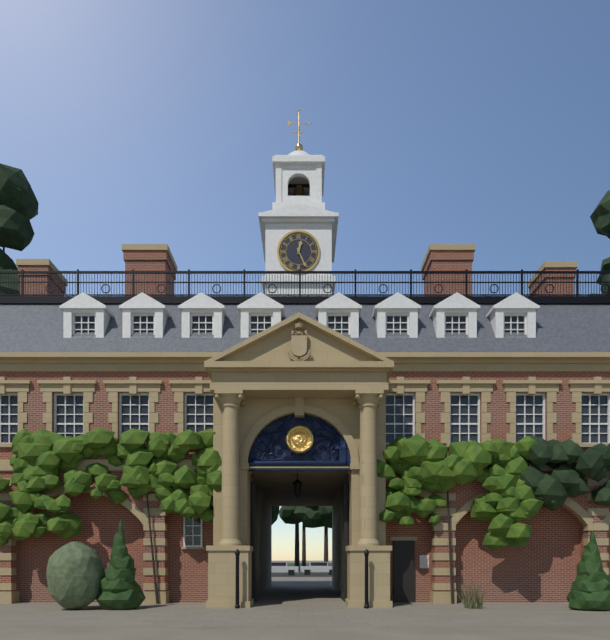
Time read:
**12:26**
